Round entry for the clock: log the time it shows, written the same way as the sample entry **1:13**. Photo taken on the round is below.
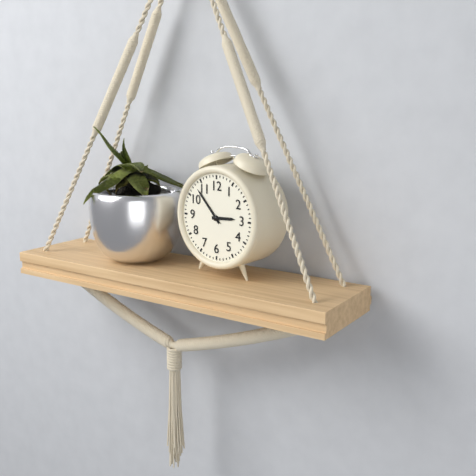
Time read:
**2:53**
